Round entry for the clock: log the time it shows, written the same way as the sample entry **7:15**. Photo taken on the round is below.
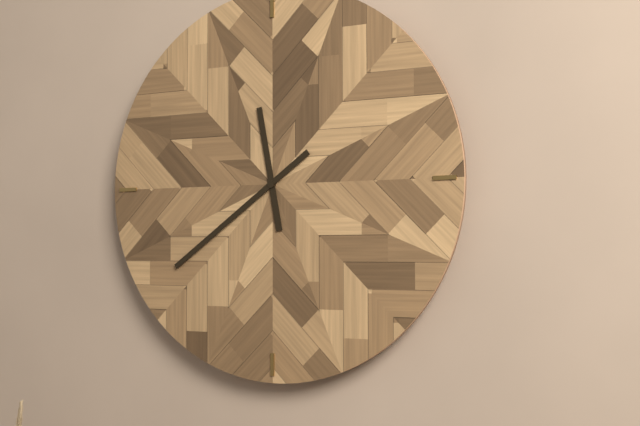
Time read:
**11:39**
